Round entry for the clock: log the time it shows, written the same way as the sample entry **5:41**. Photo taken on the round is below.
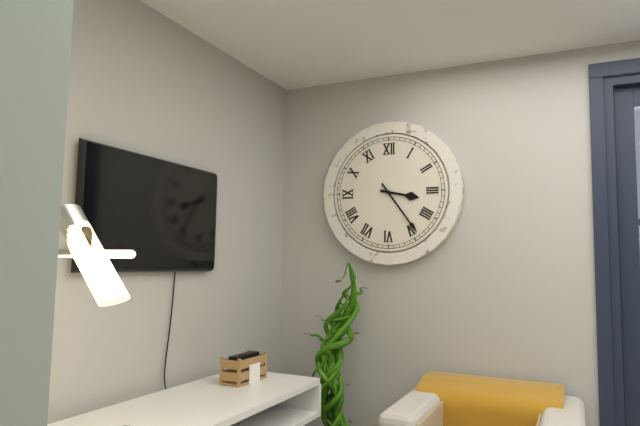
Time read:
**3:24**
